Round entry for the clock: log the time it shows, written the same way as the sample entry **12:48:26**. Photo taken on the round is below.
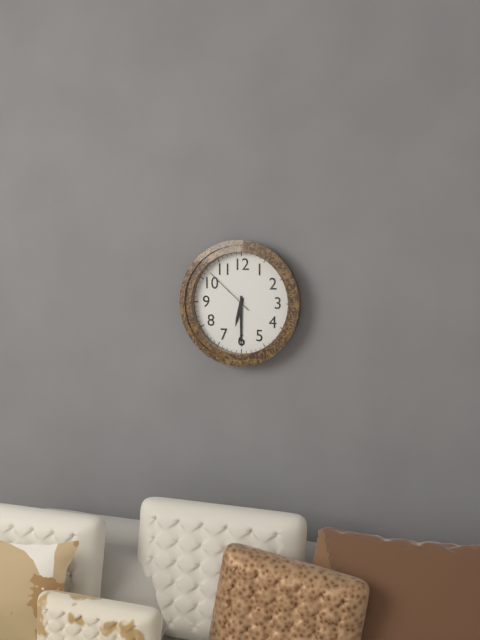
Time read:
**6:30:52**
